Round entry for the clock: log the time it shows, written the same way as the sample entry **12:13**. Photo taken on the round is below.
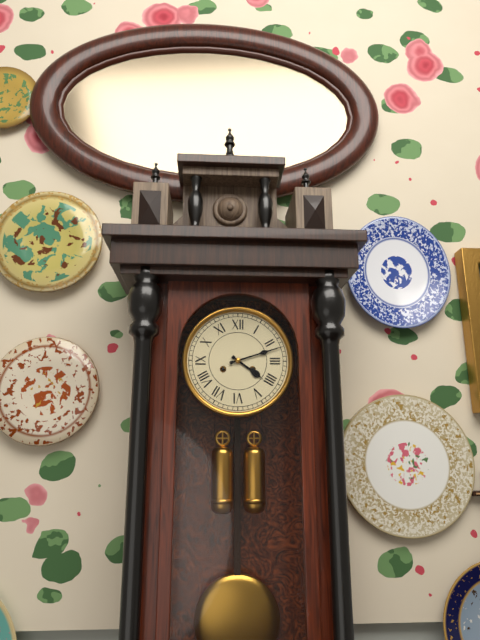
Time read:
**4:12**
